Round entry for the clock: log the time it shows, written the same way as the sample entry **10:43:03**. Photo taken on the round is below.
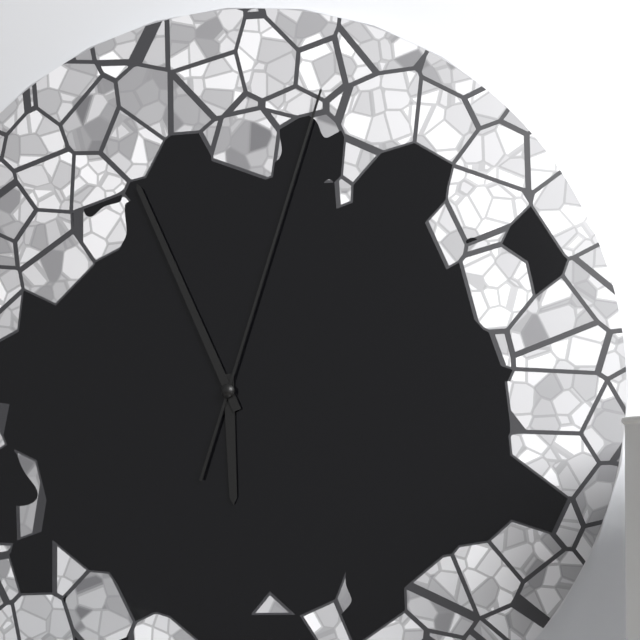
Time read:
**5:56:03**
